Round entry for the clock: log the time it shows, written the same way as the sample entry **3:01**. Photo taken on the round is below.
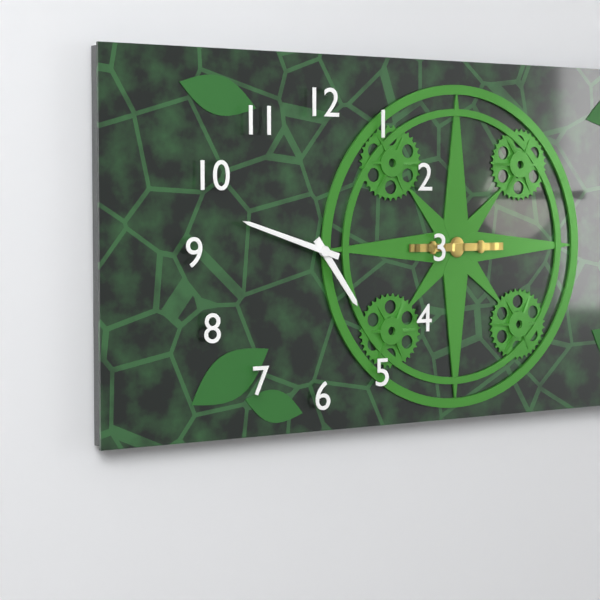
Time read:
**4:48**
